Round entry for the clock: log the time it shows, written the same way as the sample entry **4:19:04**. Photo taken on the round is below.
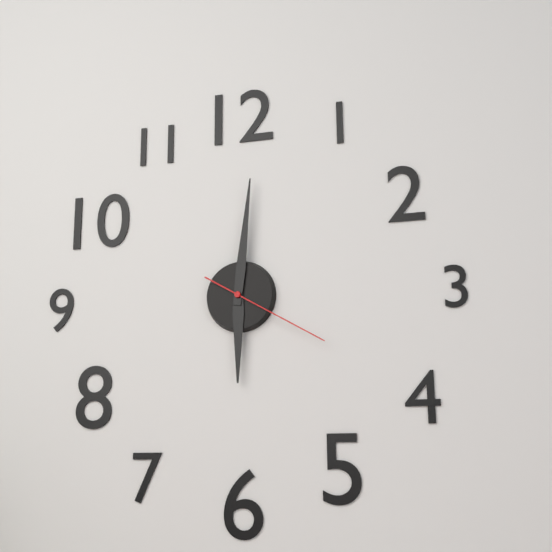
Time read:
**6:01:20**
